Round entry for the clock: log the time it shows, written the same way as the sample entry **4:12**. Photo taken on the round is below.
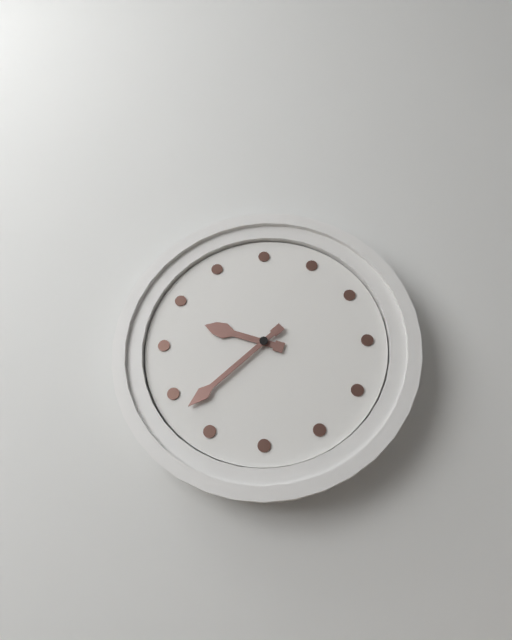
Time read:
**9:38**
